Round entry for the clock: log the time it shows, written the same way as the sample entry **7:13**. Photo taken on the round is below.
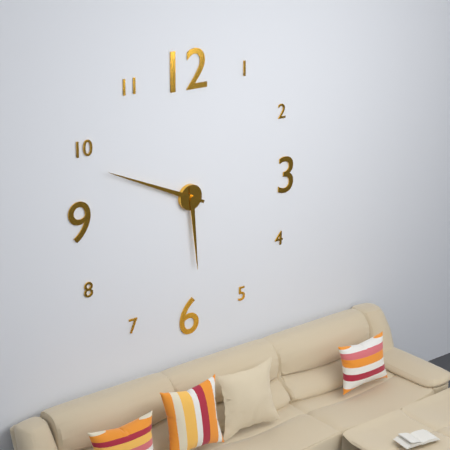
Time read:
**5:49**
